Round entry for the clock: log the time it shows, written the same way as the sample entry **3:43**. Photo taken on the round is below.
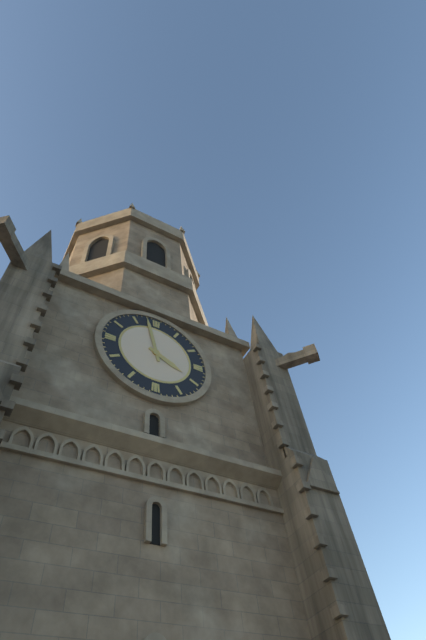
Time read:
**3:58**
